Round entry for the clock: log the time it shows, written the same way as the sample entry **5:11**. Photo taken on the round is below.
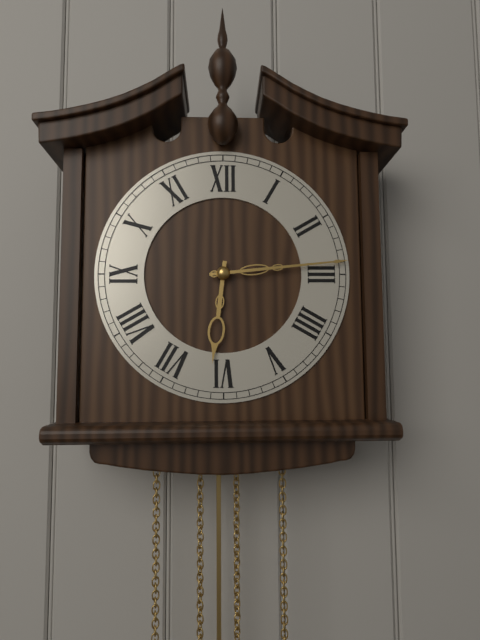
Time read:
**6:14**
